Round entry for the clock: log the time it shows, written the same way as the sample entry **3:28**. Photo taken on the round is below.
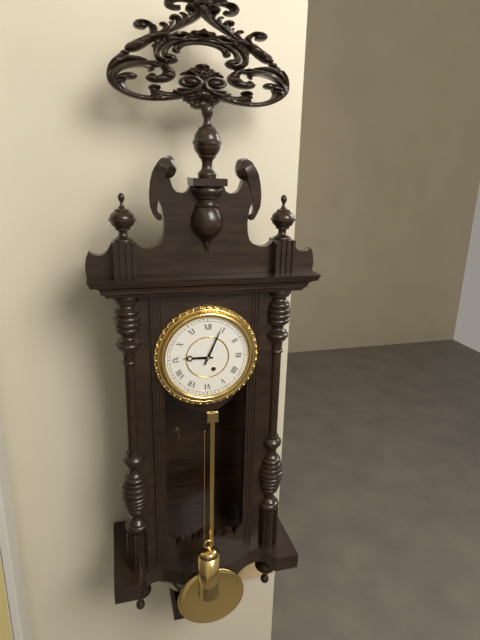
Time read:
**9:04**
